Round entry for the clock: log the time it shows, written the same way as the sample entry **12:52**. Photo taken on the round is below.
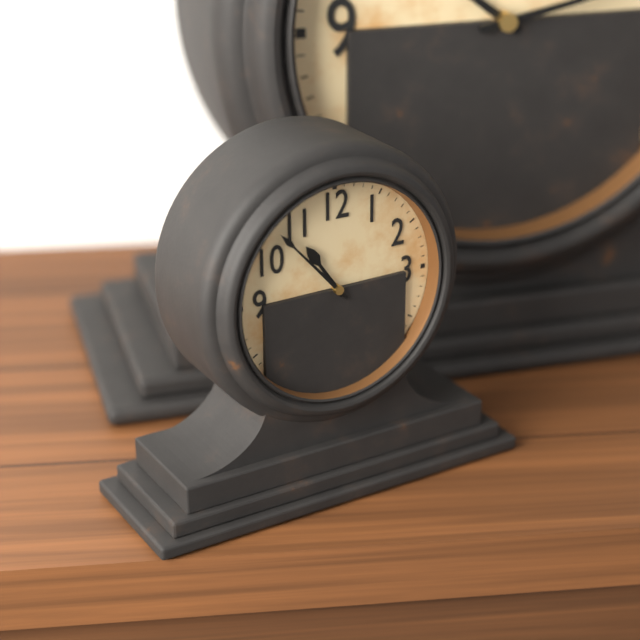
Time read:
**10:53**
